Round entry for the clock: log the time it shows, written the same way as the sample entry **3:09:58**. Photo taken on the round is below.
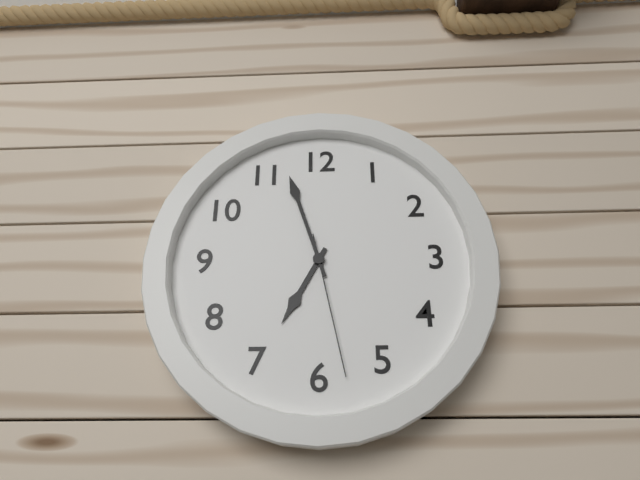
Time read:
**6:57:28**
